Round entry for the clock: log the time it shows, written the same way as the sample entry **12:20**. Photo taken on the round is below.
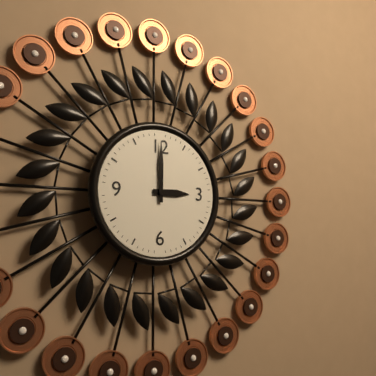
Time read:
**3:00**
